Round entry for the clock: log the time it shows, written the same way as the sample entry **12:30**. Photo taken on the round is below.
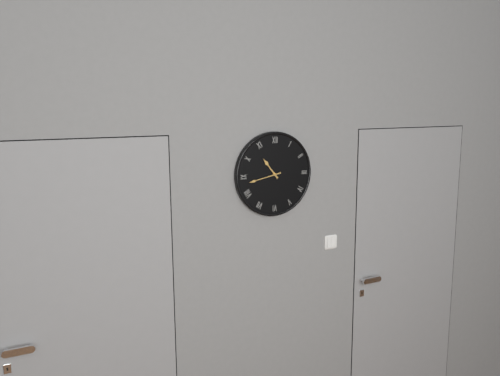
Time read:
**10:43**
